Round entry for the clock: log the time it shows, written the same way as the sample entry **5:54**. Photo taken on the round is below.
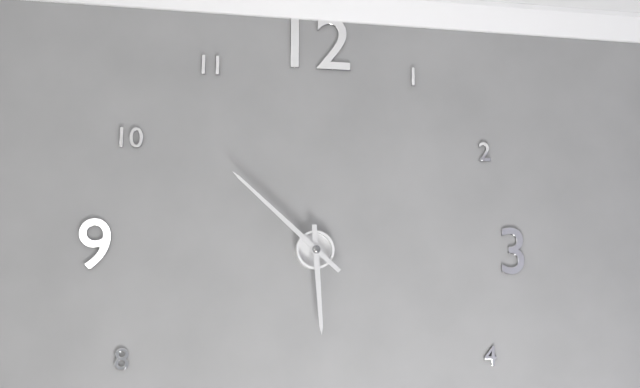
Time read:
**5:52**
